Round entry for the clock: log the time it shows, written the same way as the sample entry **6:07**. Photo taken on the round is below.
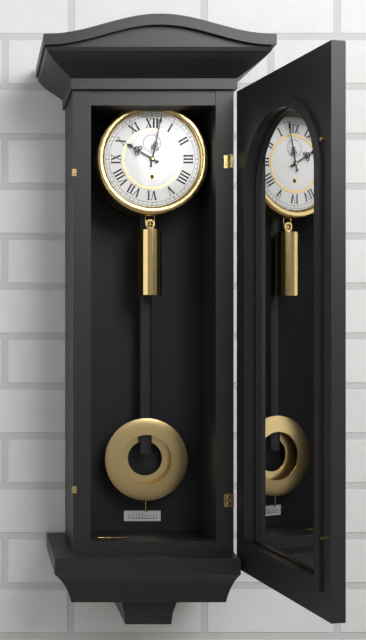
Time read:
**10:02**
